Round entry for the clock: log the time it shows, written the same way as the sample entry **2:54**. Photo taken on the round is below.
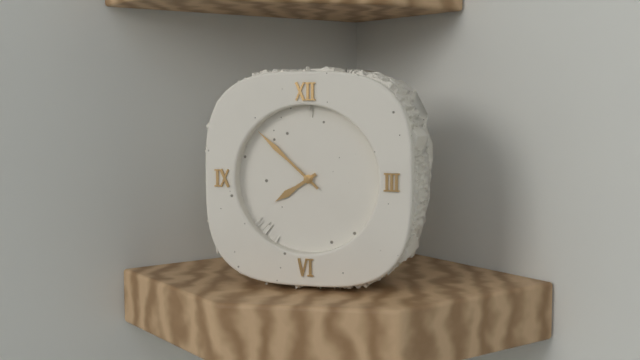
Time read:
**7:52**
